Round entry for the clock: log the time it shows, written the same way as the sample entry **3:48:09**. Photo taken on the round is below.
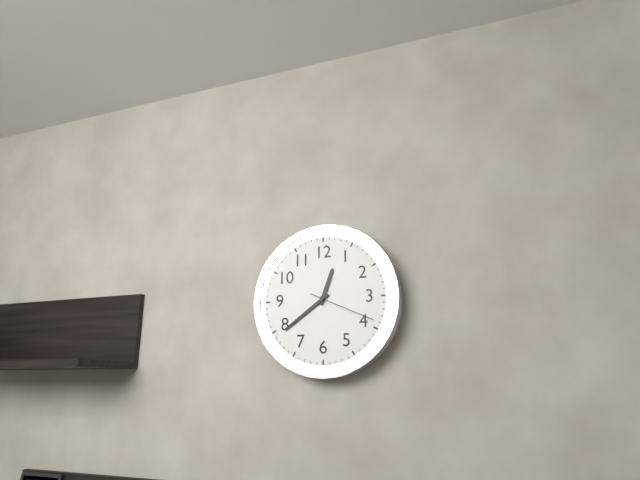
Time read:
**12:39:19**
